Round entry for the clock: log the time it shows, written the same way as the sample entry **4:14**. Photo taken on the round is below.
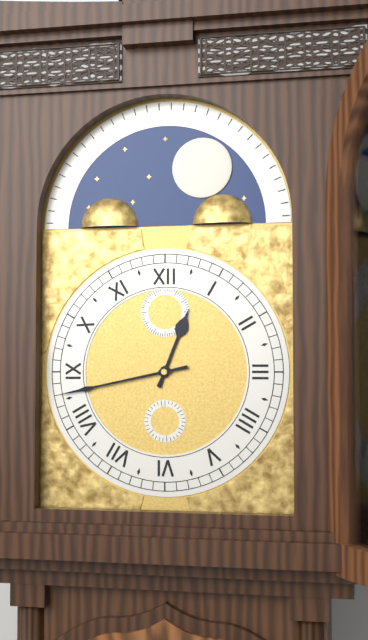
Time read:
**12:43**
